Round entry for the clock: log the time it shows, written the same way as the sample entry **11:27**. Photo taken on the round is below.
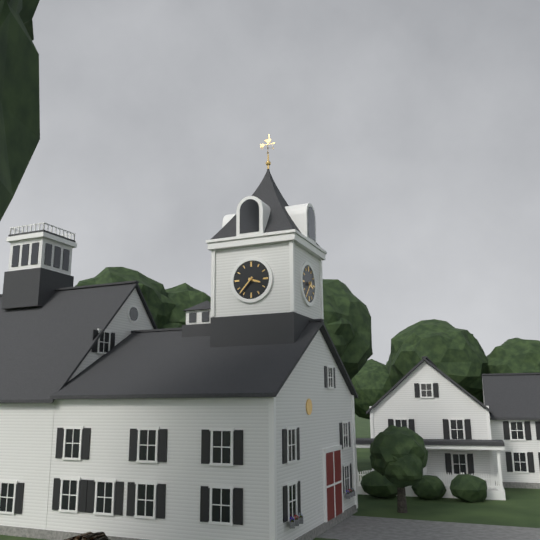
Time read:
**3:37**
